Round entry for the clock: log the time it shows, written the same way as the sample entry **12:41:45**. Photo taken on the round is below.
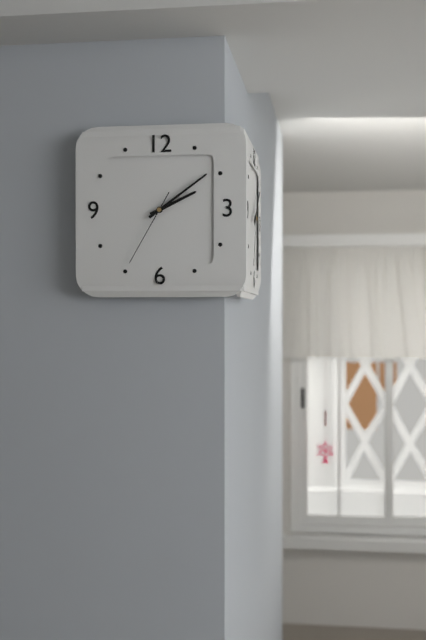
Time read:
**2:09:35**
